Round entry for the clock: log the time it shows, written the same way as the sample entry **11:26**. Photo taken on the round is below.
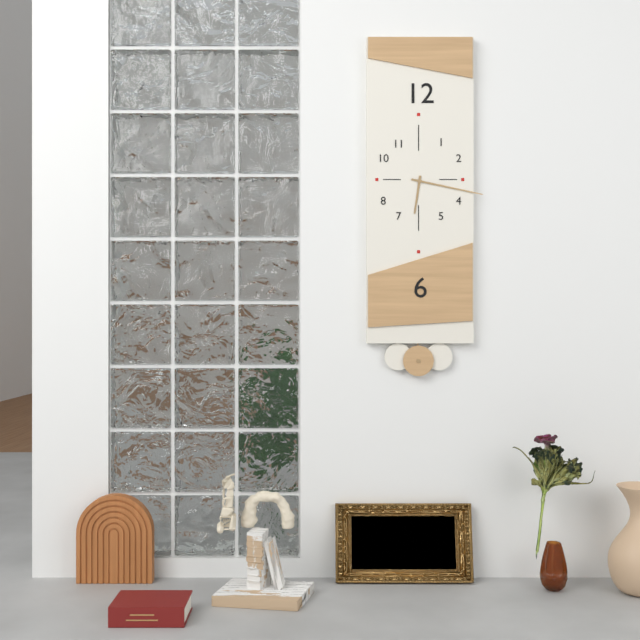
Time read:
**6:17**
